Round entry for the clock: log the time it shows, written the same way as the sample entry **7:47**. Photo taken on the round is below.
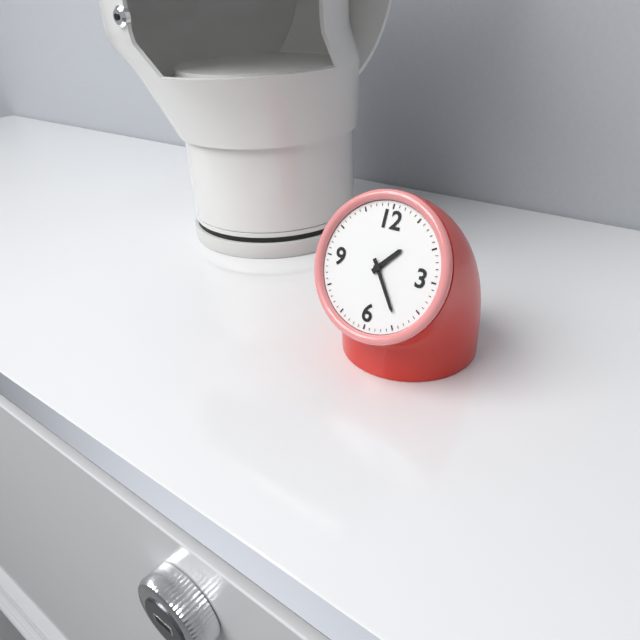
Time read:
**1:24**
